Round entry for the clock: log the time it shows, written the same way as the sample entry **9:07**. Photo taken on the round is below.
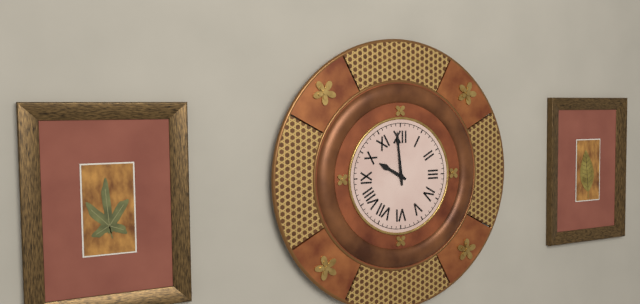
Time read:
**9:59**
